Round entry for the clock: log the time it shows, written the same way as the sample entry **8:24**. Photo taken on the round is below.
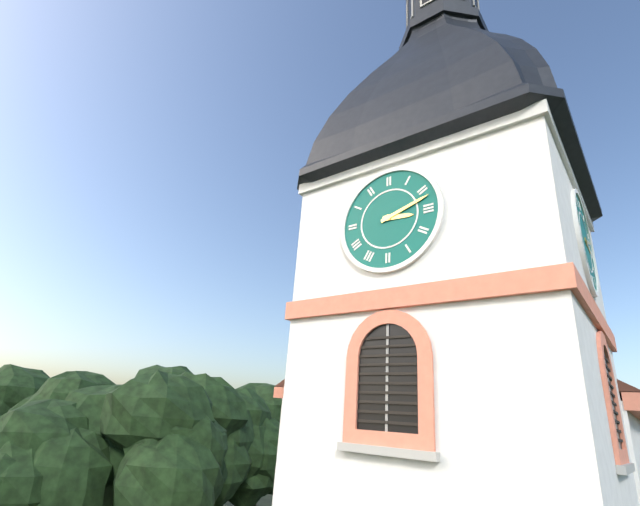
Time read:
**3:12**
